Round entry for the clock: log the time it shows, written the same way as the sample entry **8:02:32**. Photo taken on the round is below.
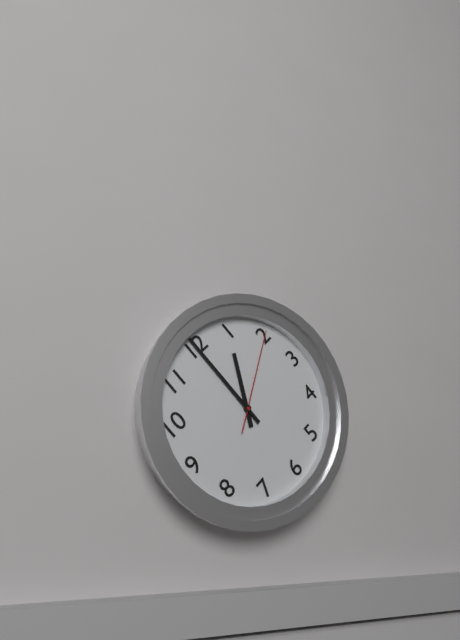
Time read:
**1:00:10**
